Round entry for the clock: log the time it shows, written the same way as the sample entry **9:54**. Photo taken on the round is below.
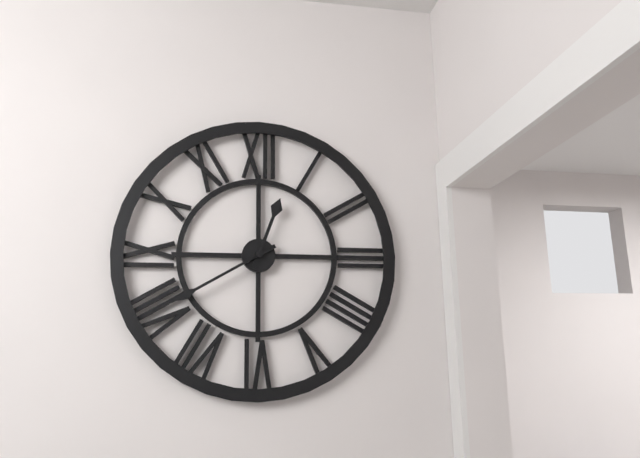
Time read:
**12:40**
